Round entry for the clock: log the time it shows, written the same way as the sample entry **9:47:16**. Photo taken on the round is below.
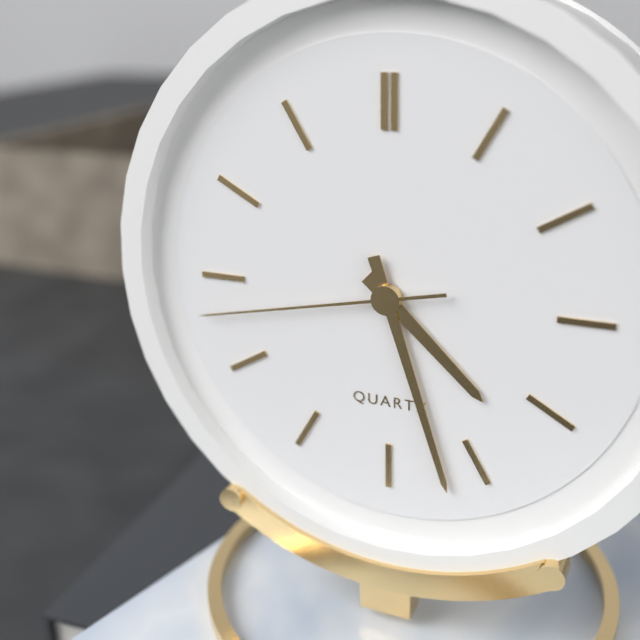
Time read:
**4:27:43**
